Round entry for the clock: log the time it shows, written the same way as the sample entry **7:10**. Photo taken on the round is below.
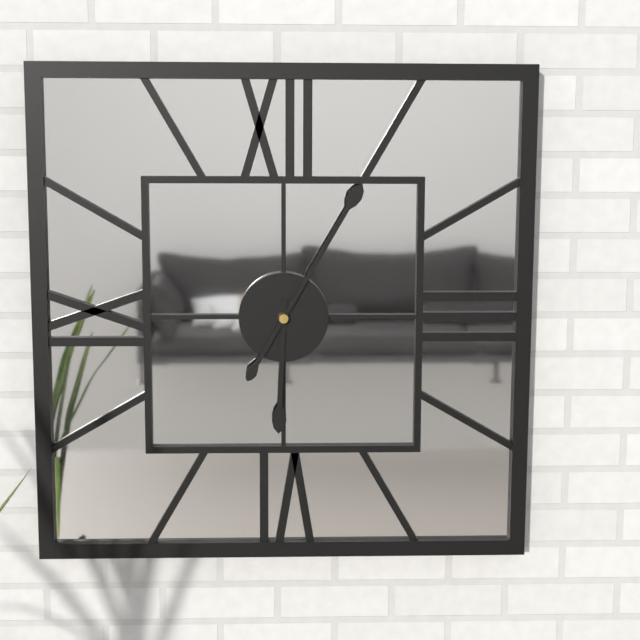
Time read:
**6:05**
